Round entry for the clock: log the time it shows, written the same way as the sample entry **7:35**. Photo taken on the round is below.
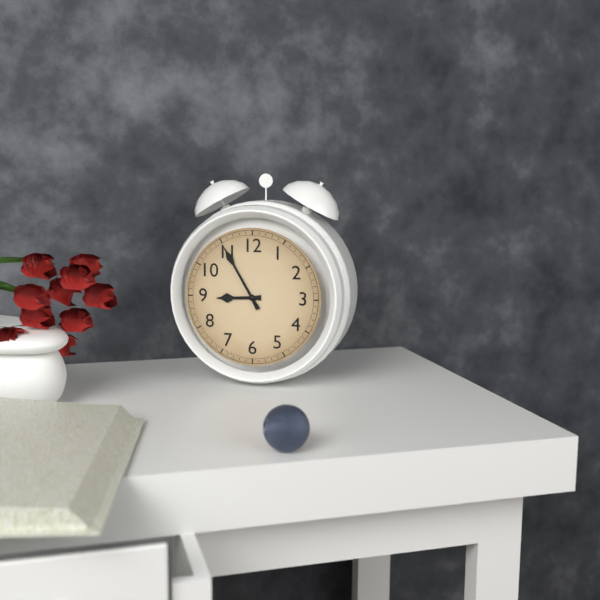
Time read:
**8:55**
